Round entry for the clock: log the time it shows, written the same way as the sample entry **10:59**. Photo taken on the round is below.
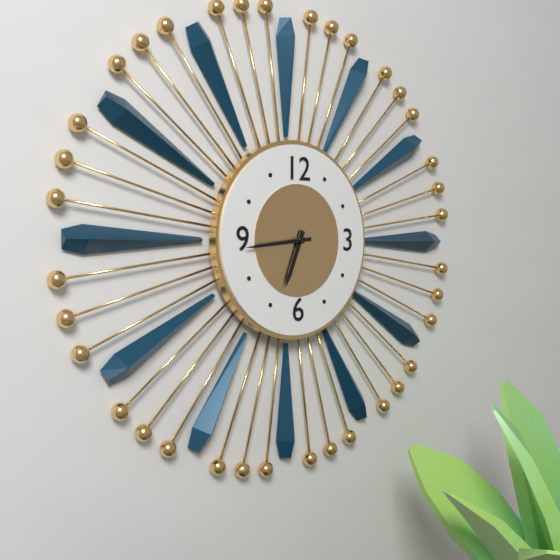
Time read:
**6:44**
